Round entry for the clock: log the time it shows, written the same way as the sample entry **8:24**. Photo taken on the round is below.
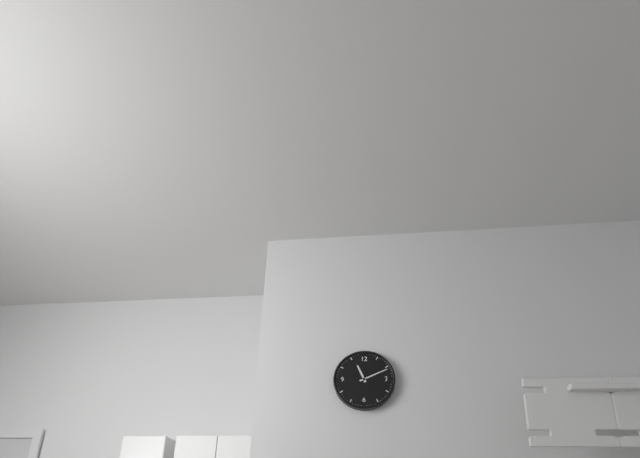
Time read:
**11:11**
